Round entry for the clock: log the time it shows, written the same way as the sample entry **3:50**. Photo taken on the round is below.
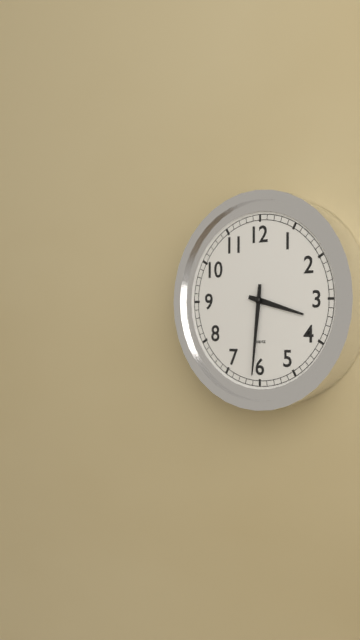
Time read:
**3:31**
